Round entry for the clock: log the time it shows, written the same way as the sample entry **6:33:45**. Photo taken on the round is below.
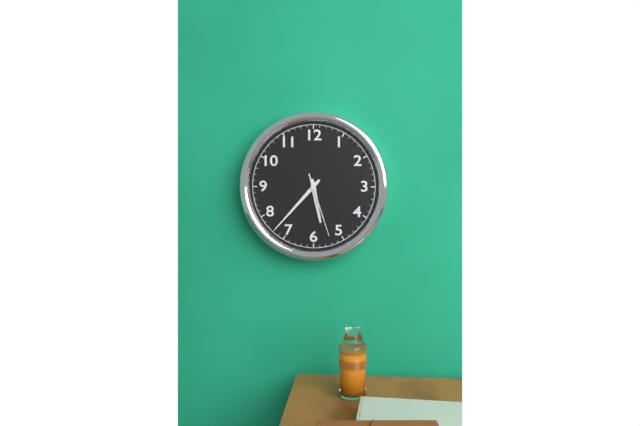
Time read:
**5:37:27**
